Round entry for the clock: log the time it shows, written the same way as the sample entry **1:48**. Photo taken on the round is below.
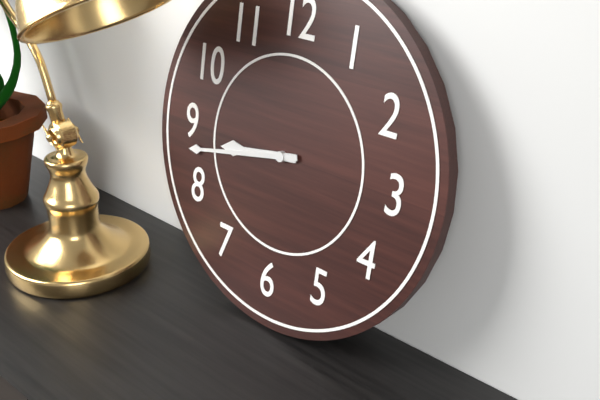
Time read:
**8:43**
